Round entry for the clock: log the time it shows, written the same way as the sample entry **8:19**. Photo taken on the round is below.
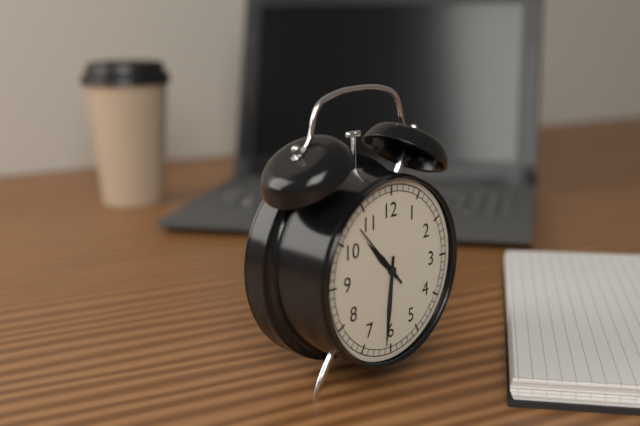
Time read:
**10:31**
